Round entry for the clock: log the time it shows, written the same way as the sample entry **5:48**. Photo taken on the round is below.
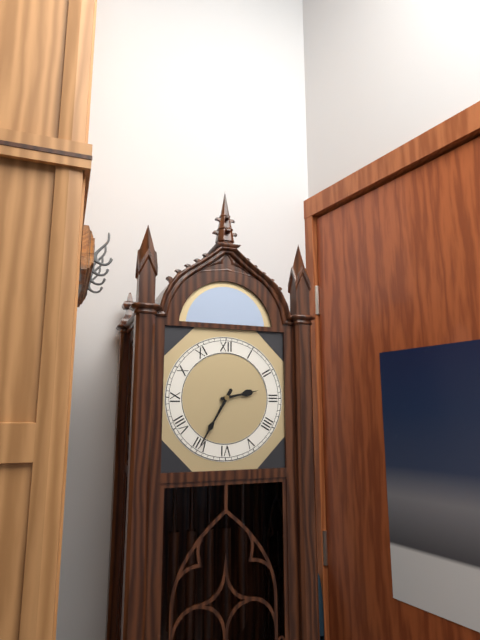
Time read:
**2:35**
